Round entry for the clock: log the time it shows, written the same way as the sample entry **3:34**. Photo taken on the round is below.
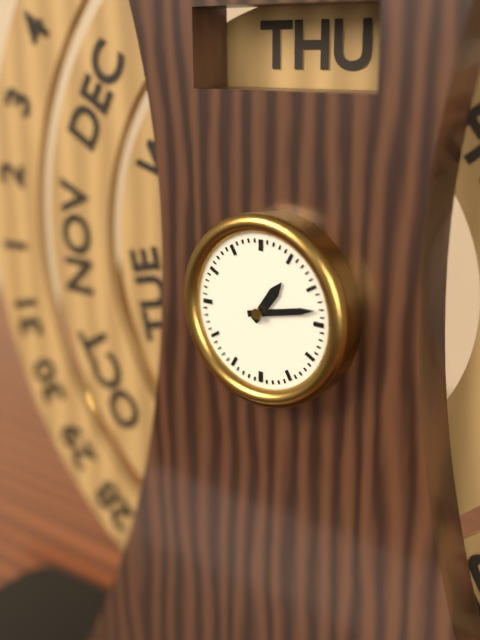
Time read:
**1:13**
